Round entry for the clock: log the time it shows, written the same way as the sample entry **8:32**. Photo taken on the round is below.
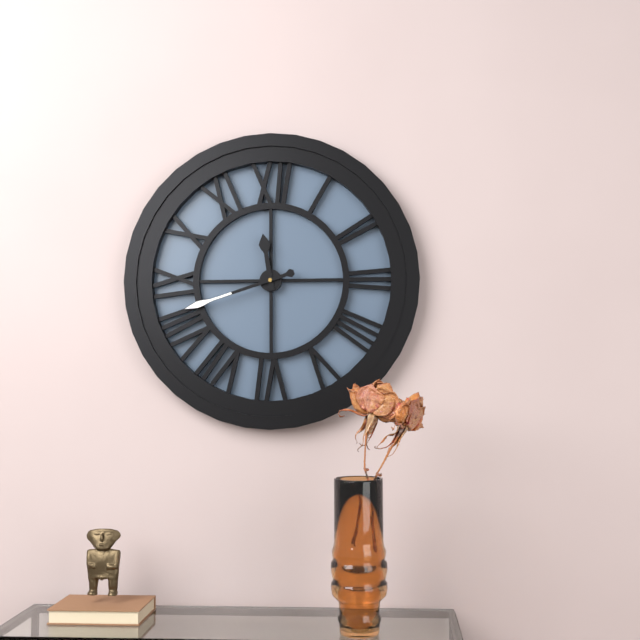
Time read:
**11:42**
